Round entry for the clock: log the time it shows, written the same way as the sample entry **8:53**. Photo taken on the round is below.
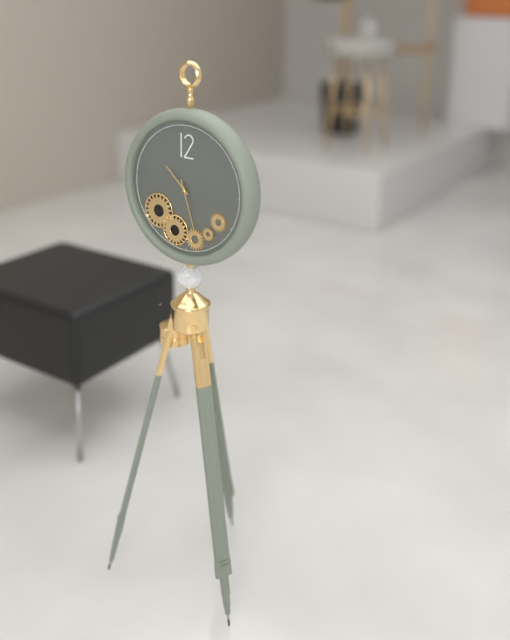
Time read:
**10:27**
